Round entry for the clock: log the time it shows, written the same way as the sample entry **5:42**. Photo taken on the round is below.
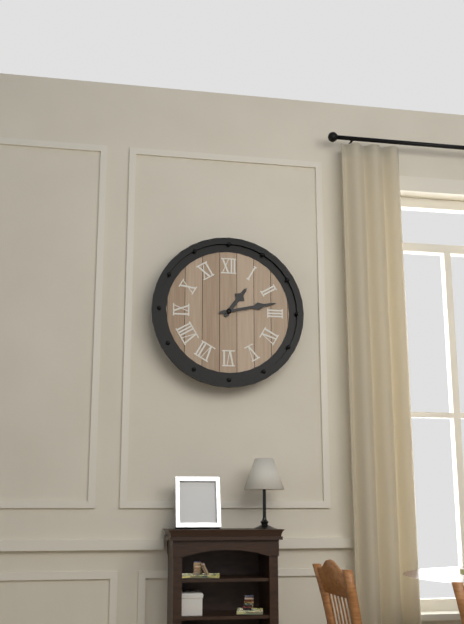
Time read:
**1:13**
